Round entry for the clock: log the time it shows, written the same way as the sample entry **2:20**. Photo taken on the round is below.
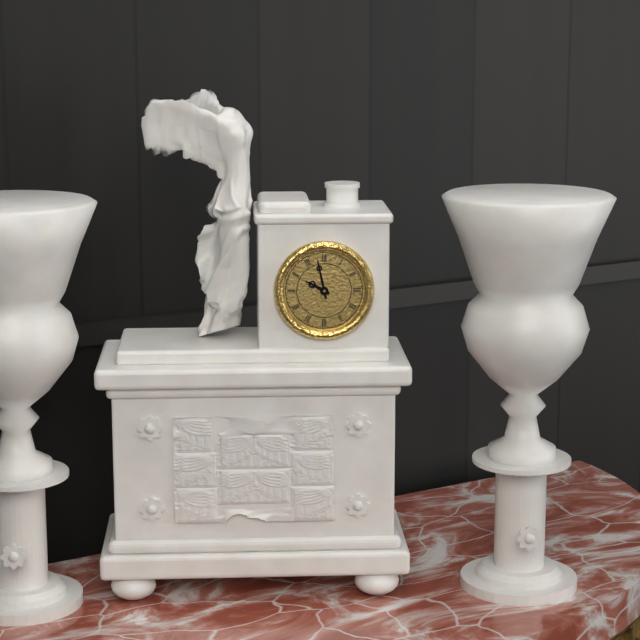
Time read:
**9:58**
